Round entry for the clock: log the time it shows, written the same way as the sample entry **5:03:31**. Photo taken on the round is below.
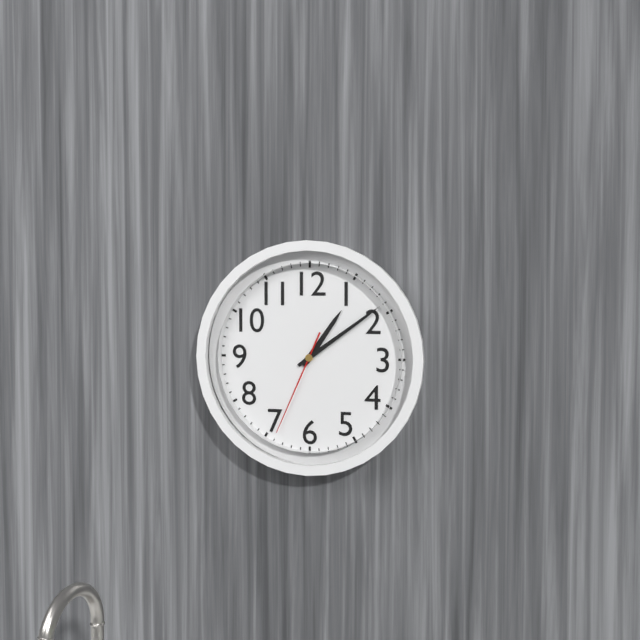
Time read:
**1:09:34**
